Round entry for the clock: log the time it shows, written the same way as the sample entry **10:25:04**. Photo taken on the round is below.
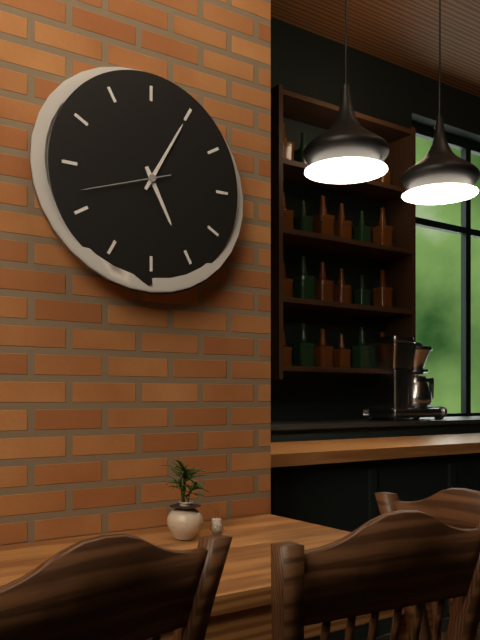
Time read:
**5:05:42**
